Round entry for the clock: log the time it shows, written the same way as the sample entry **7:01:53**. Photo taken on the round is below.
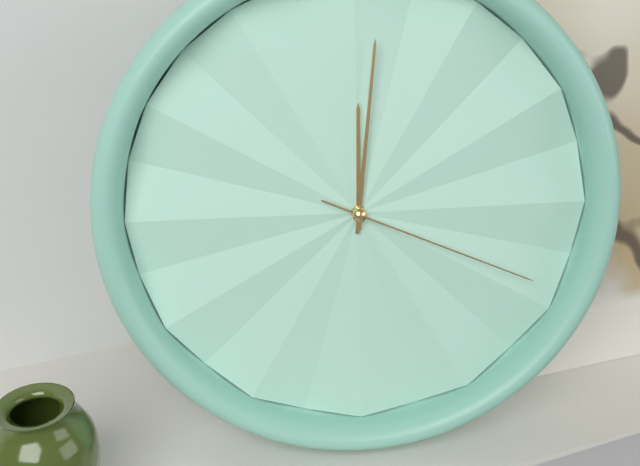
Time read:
**12:01:19**
